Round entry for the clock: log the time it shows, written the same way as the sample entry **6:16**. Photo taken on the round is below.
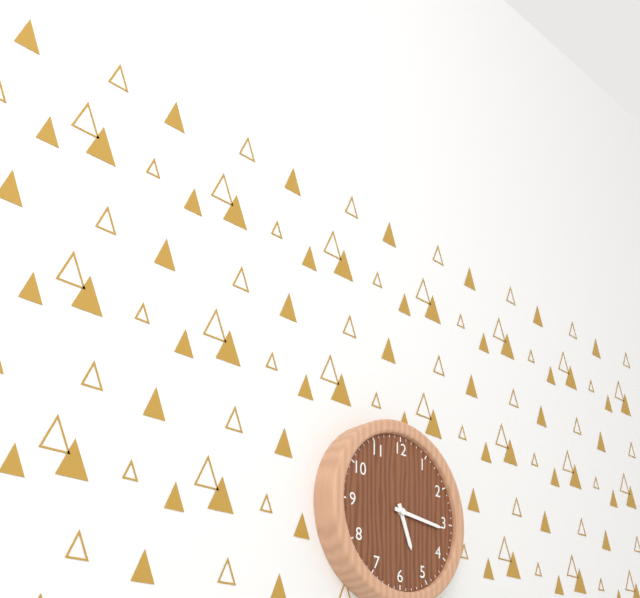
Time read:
**5:16**
